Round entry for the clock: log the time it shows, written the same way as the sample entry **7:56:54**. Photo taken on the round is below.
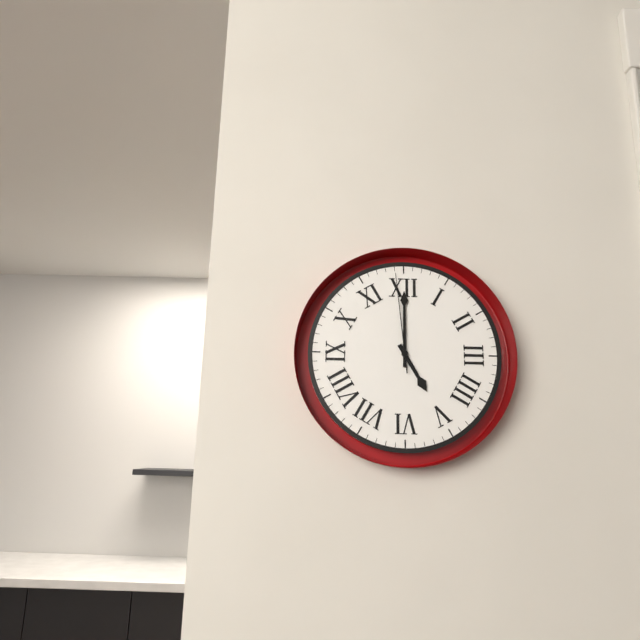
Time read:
**5:00:59**
